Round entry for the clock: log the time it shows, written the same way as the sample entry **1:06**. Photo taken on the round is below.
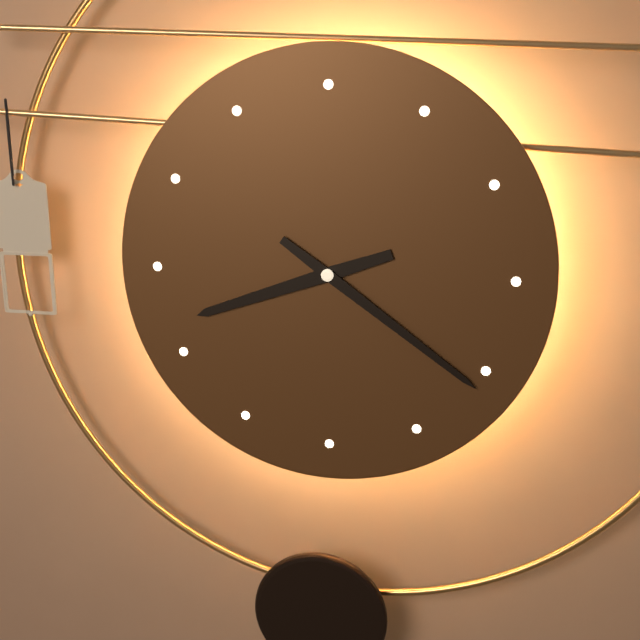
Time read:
**8:21**
